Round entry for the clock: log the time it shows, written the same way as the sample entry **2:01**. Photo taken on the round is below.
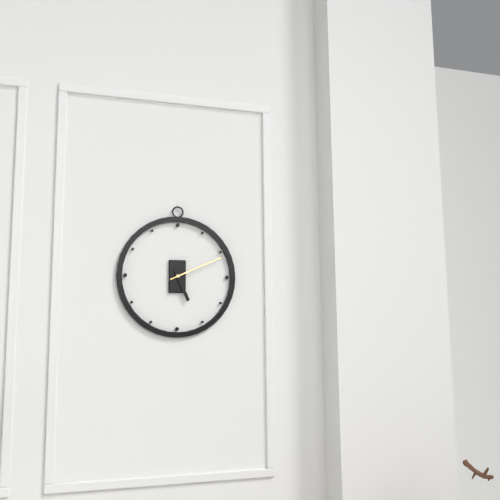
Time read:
**5:11**
